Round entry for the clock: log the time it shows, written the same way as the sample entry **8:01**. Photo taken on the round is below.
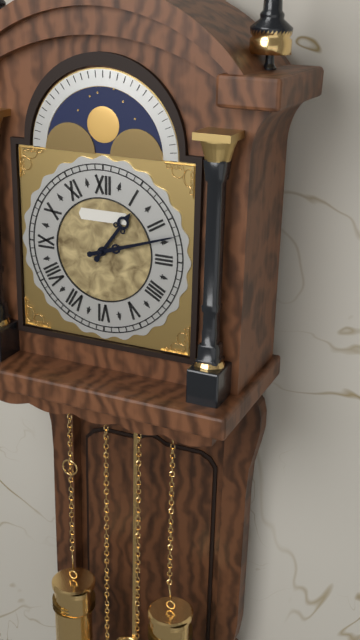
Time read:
**1:12**
